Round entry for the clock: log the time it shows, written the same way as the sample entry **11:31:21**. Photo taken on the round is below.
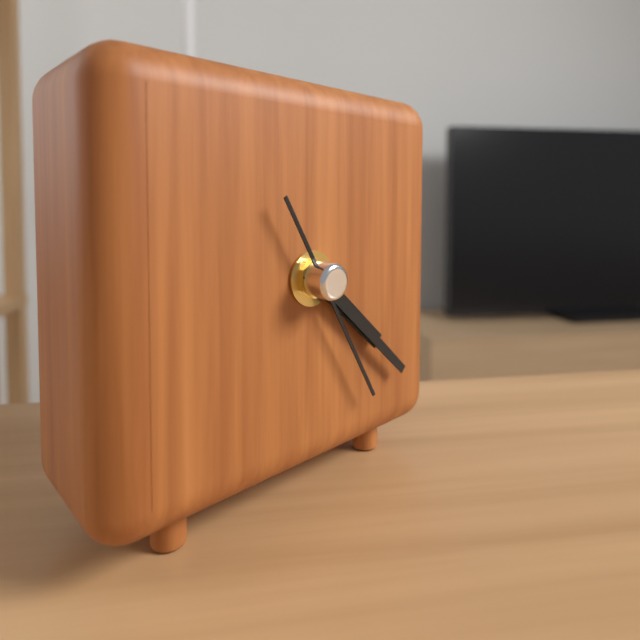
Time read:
**4:22:25**
